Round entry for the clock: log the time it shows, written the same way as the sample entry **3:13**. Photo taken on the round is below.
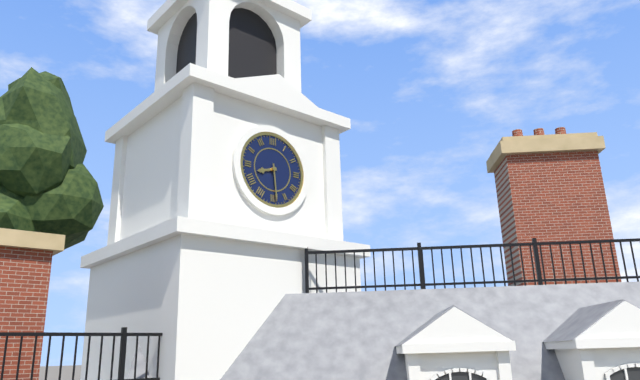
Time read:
**8:29**
